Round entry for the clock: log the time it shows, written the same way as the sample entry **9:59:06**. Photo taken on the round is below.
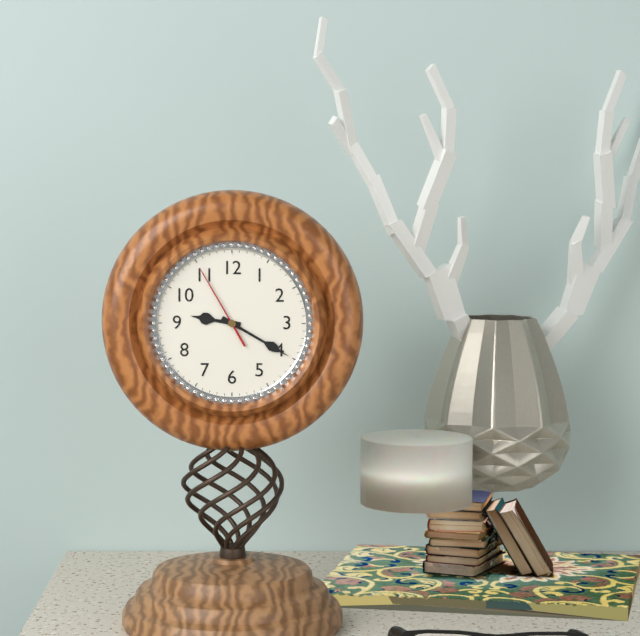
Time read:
**9:20:55**
